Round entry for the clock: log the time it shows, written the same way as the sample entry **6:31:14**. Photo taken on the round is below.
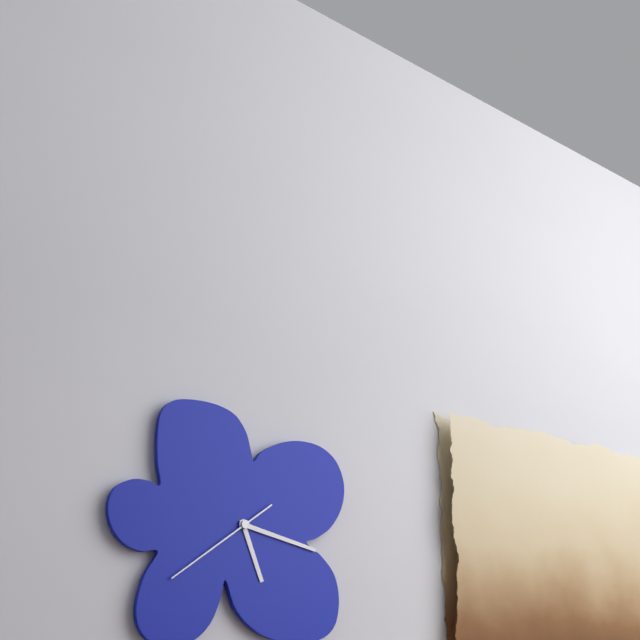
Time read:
**5:17:39**
